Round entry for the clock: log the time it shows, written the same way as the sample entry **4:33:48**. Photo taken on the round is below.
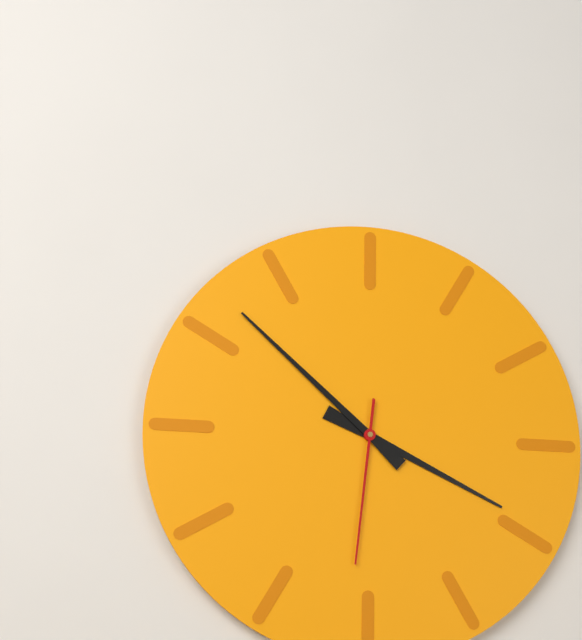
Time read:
**3:52:31**
